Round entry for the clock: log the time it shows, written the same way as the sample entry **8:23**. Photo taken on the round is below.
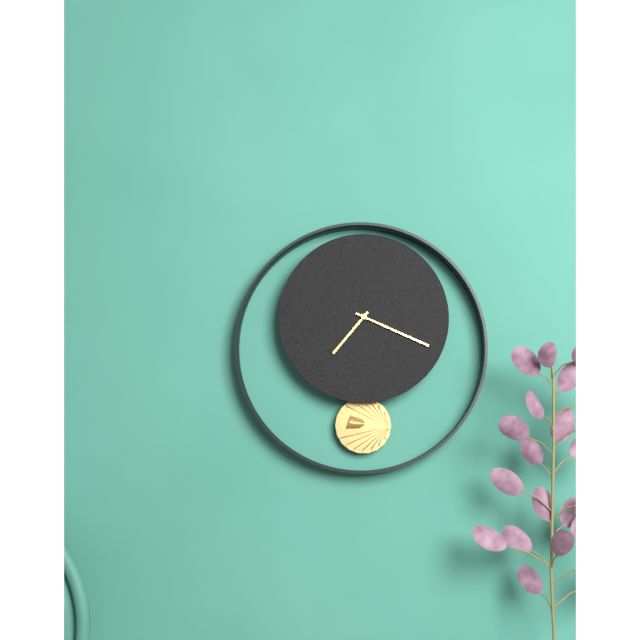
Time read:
**7:19**
